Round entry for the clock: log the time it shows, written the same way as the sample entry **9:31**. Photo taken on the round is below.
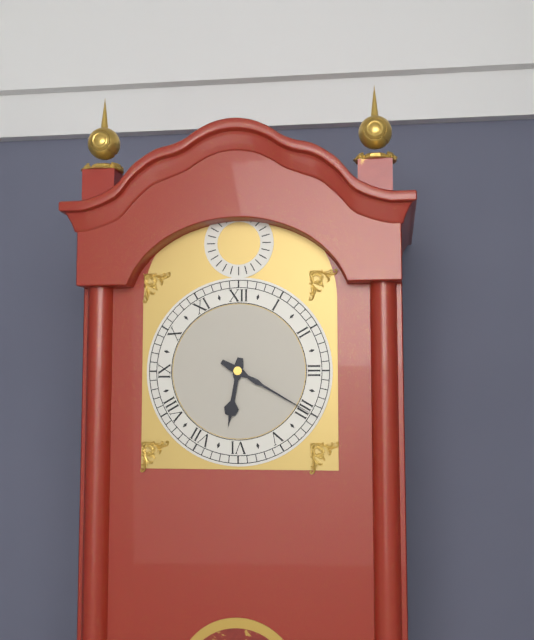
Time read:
**6:20**
